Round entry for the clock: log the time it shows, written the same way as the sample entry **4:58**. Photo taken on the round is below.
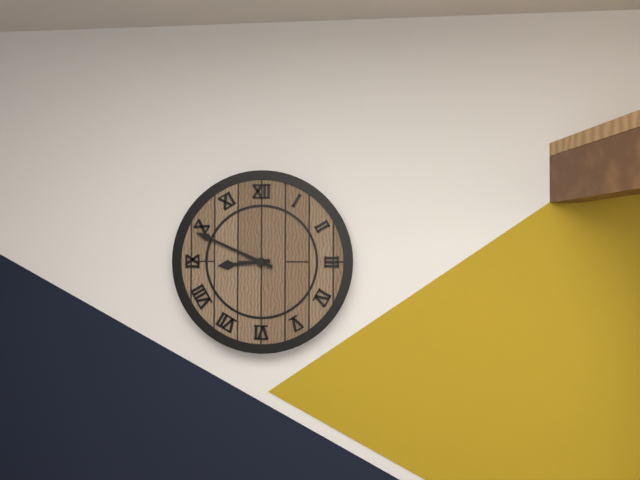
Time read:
**8:49**
